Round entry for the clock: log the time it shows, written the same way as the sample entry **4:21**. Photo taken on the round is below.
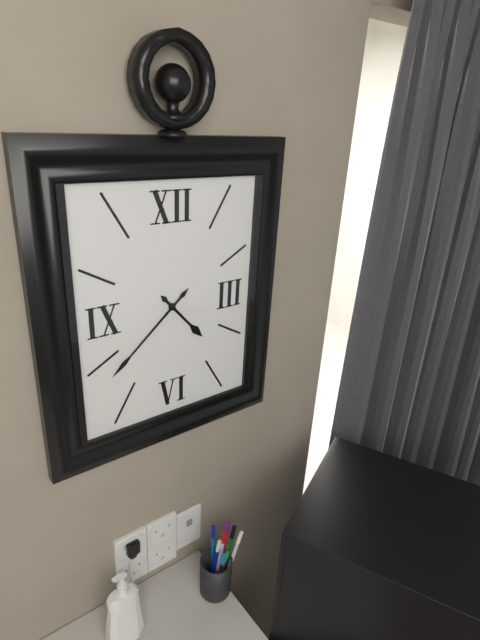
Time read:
**4:38**
